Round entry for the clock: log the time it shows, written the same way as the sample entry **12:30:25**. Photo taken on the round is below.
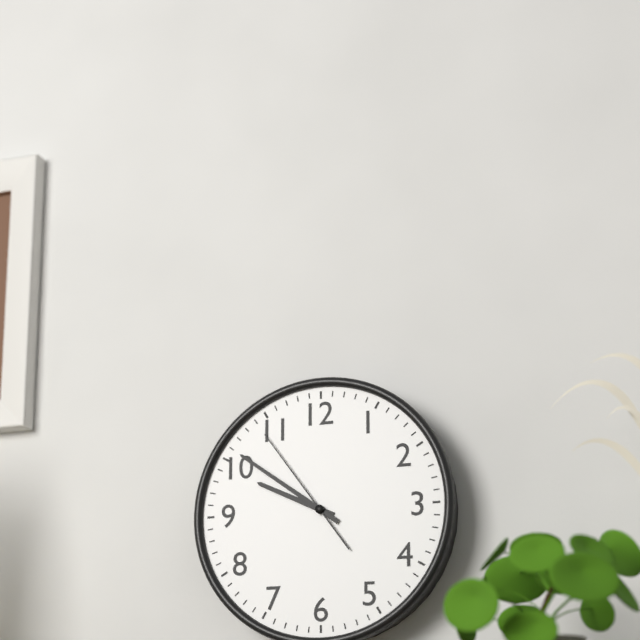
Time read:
**9:51:54**
